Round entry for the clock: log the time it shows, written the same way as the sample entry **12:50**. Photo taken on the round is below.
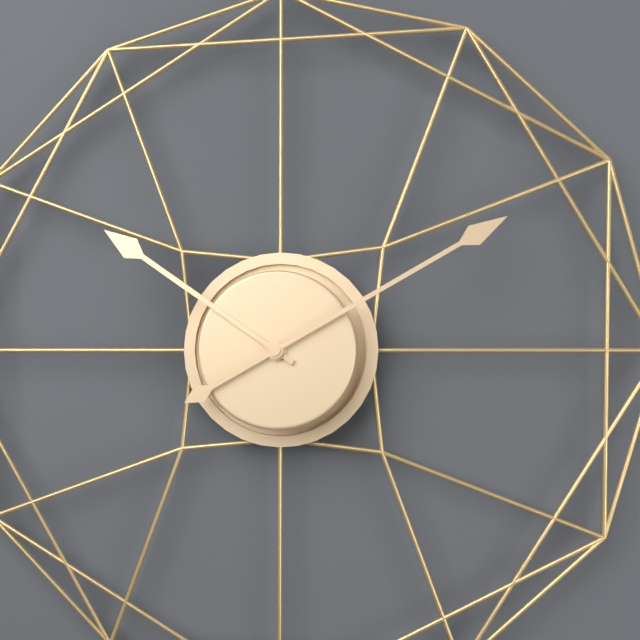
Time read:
**10:10**
